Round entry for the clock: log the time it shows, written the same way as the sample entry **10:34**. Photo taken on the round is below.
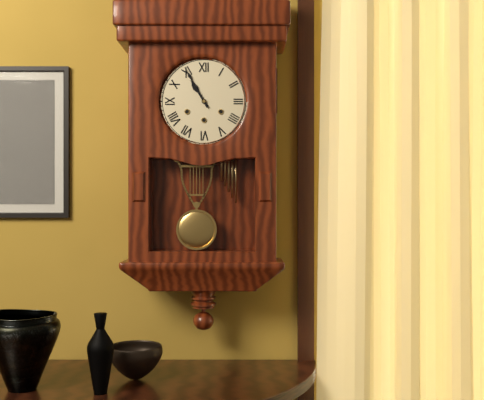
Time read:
**10:55**
